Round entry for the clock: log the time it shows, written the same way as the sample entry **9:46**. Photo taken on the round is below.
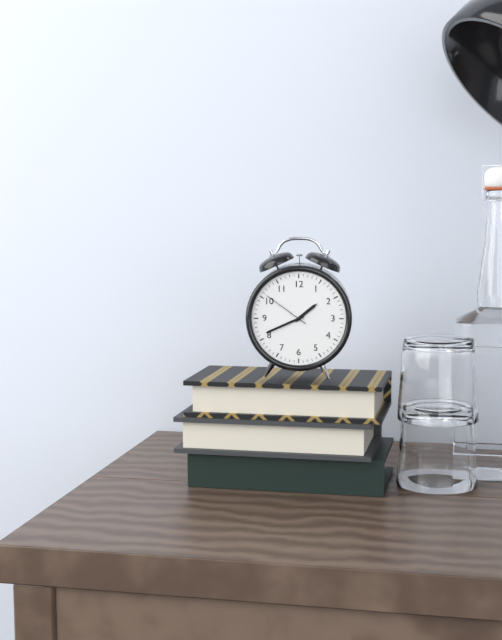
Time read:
**1:41**
